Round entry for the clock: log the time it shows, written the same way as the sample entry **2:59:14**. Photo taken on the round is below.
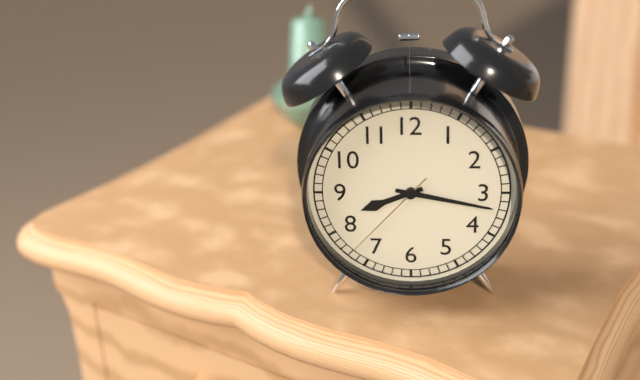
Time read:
**8:17:37**
